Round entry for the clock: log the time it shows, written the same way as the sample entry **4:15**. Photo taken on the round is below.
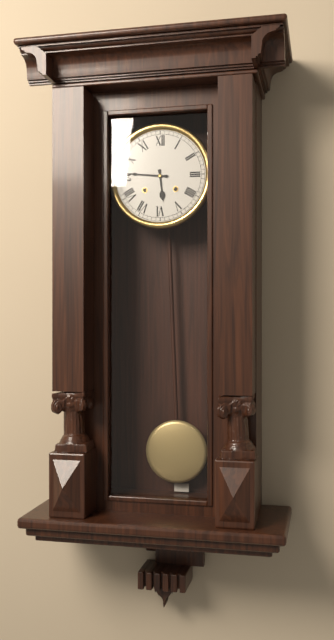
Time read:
**5:46**
